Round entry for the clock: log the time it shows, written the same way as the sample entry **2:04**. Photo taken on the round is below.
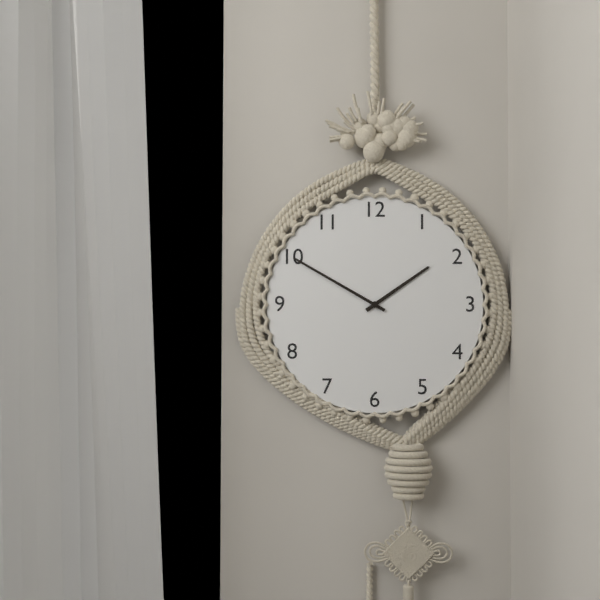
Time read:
**1:50**
